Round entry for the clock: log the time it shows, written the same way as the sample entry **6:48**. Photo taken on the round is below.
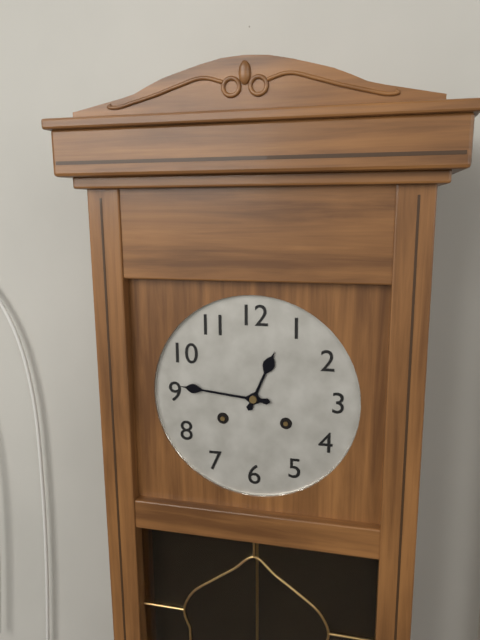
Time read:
**12:46**
